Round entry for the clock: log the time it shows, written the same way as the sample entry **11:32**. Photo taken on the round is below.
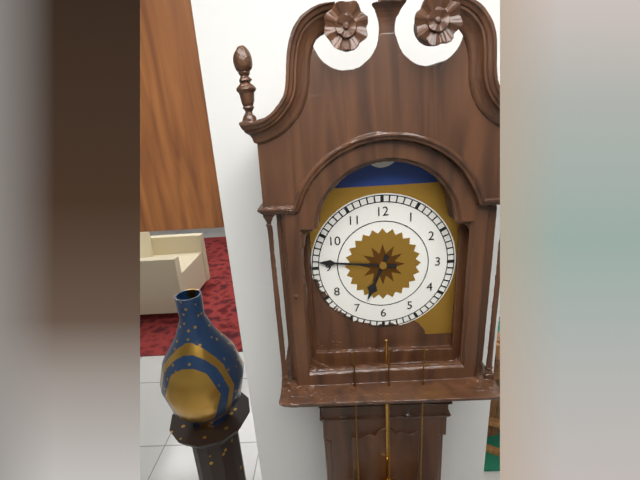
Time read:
**6:46**
